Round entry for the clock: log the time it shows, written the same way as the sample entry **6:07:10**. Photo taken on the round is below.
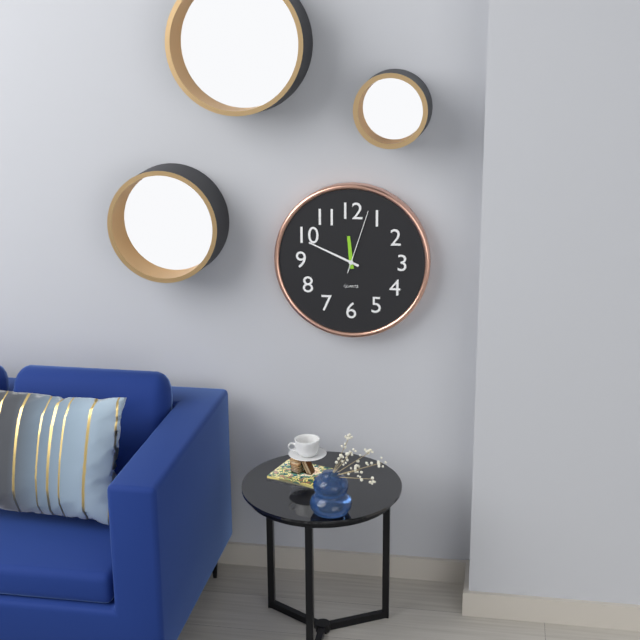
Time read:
**11:49:03**
